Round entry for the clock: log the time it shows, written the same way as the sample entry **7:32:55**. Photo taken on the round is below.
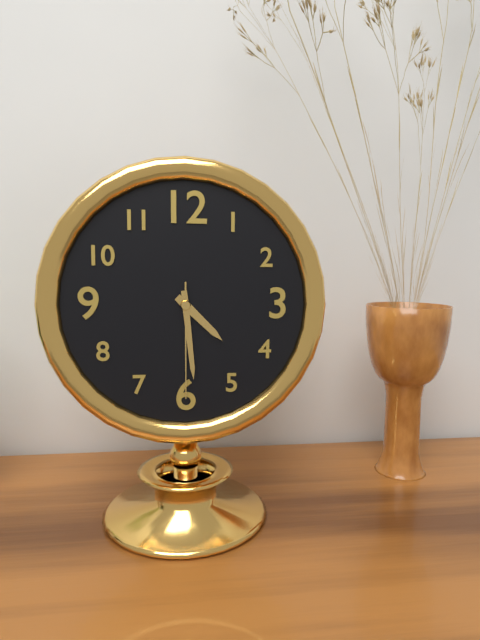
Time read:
**4:29:30**
